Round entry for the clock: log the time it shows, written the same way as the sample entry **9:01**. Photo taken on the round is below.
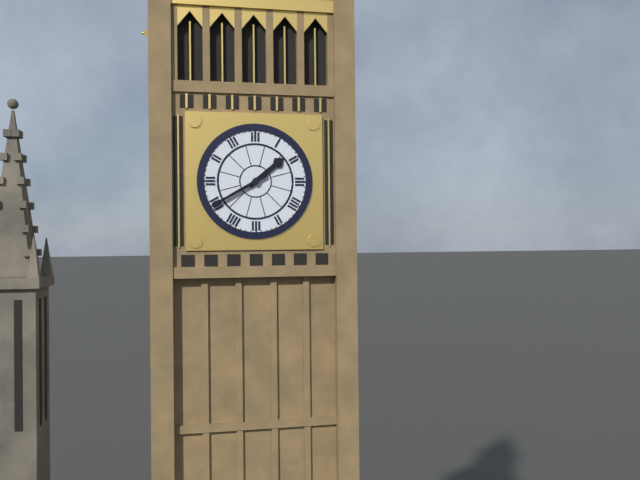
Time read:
**1:40**
